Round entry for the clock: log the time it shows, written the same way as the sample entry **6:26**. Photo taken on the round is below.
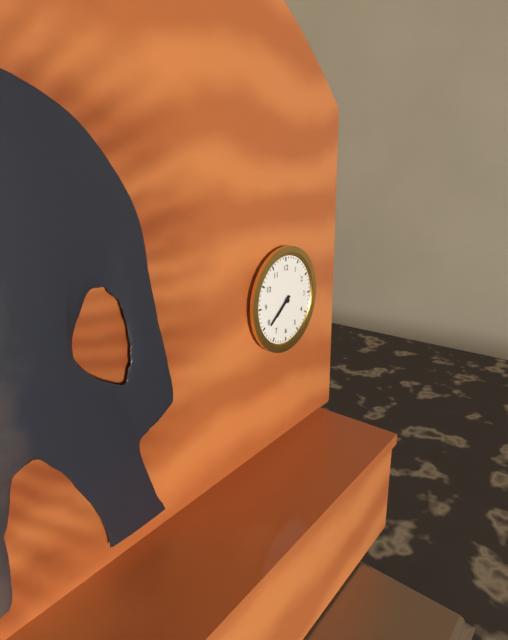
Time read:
**7:39**
